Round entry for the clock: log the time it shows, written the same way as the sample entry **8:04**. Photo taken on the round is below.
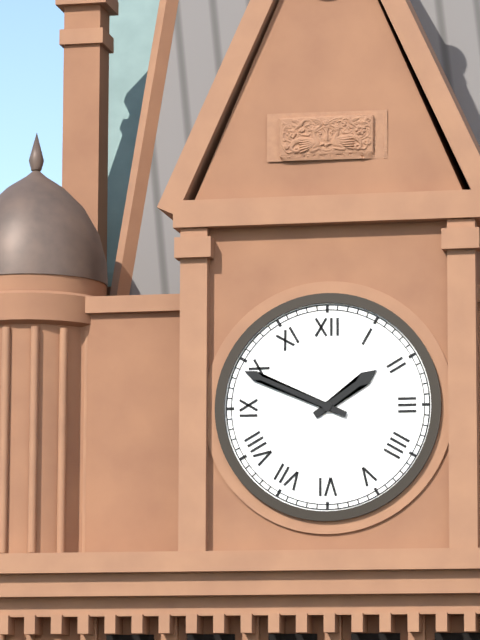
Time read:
**1:49**
